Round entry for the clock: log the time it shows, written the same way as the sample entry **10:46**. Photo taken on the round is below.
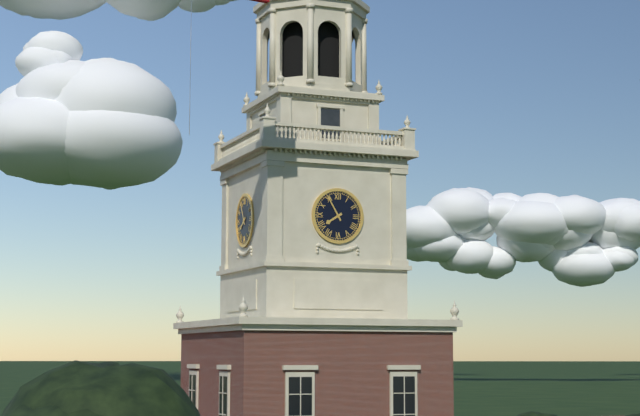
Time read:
**7:55**
